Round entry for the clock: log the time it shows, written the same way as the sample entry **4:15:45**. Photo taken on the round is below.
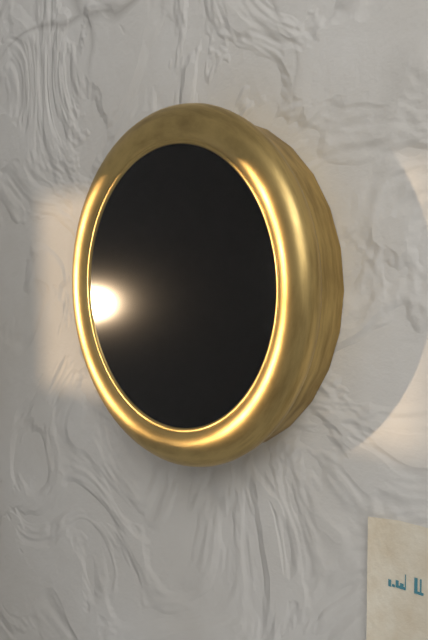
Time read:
**6:51:49**
